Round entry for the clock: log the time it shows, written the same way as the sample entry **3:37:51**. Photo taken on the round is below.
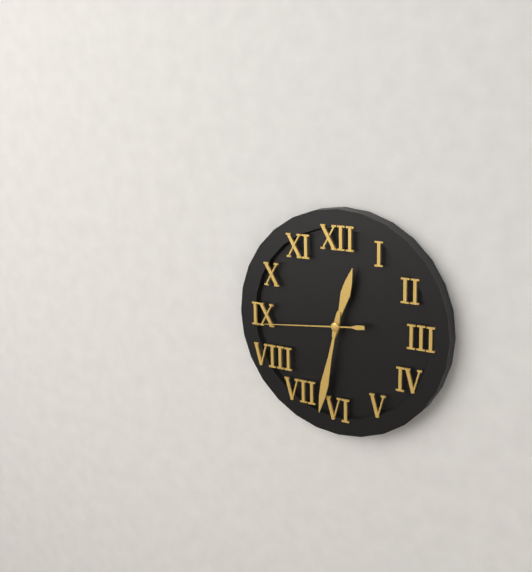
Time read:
**12:32:44**
